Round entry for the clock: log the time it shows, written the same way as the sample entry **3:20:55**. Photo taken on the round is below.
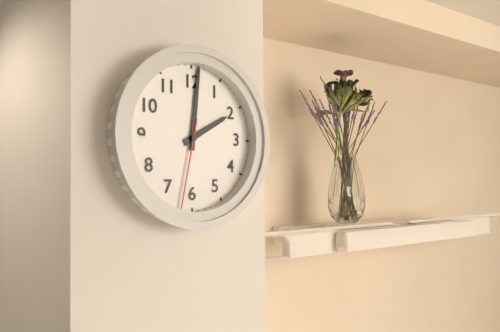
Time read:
**2:01:32**
